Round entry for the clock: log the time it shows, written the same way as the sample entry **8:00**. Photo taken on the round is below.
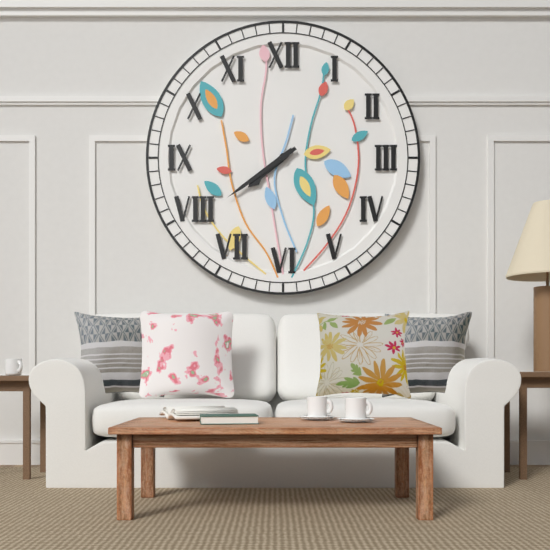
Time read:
**7:39**
